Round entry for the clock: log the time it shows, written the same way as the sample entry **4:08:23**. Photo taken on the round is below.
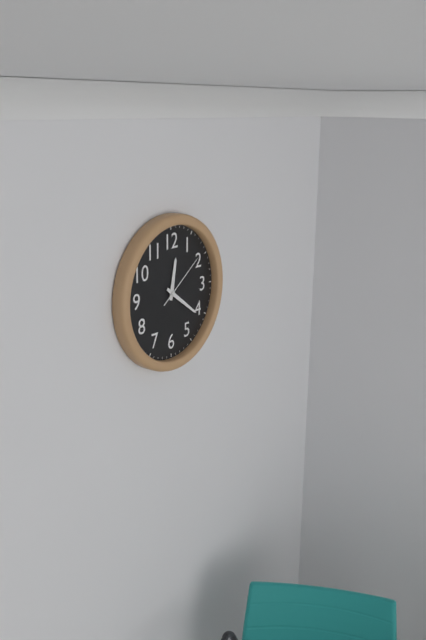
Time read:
**12:21:09**
